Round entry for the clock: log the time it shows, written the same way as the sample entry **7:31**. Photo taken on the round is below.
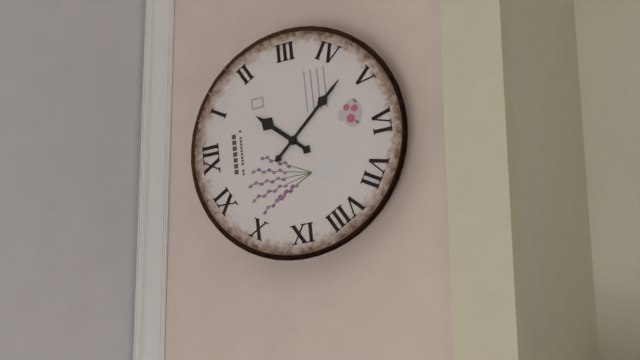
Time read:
**1:23**
